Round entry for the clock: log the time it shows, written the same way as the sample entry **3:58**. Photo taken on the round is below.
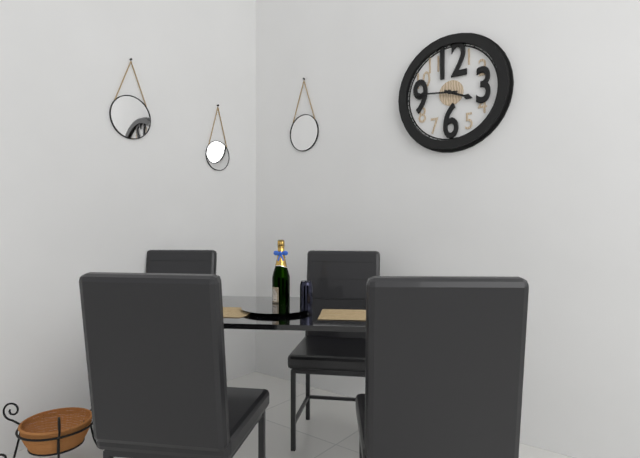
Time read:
**3:46**
